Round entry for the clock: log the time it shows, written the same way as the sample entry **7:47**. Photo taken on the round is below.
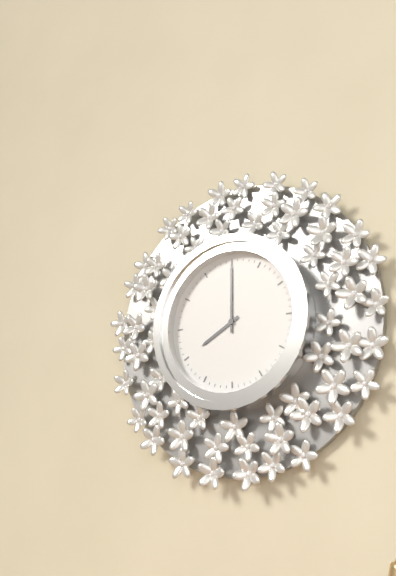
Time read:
**8:00**
